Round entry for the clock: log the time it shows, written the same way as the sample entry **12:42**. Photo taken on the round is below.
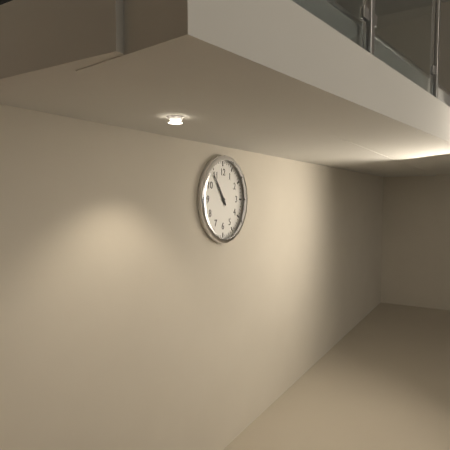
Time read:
**10:54**
